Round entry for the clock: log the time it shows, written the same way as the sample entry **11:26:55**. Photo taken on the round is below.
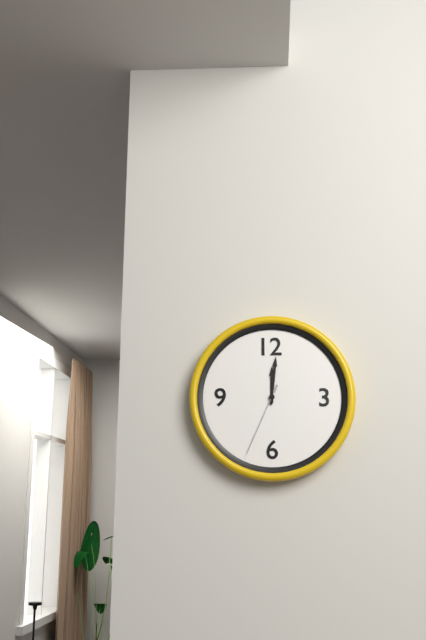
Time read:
**12:01:34**
